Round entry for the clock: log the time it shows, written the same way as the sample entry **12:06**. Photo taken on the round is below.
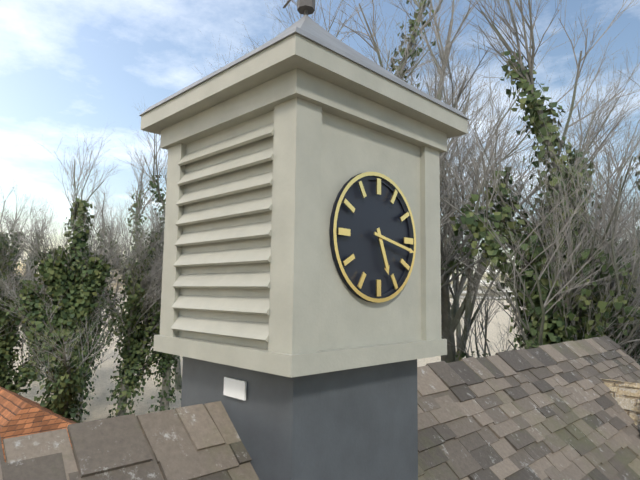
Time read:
**5:17**
